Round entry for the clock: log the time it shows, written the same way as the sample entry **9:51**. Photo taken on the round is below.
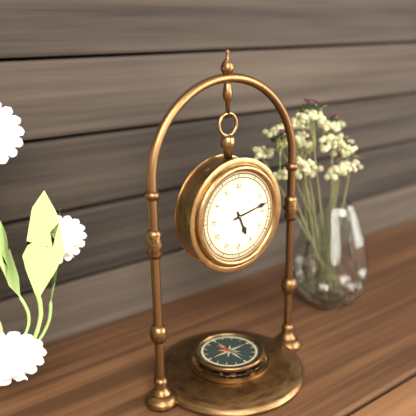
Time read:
**5:13**
